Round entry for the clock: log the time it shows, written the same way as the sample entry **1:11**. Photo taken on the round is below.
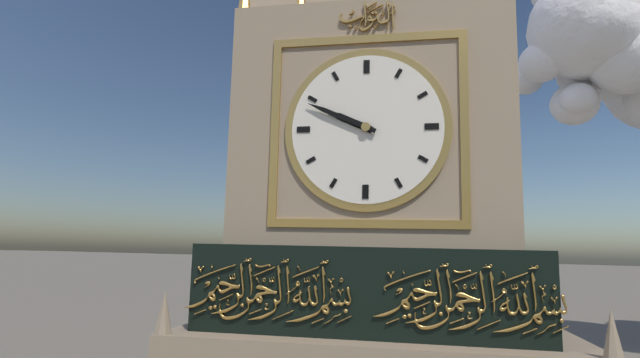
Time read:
**9:49**
